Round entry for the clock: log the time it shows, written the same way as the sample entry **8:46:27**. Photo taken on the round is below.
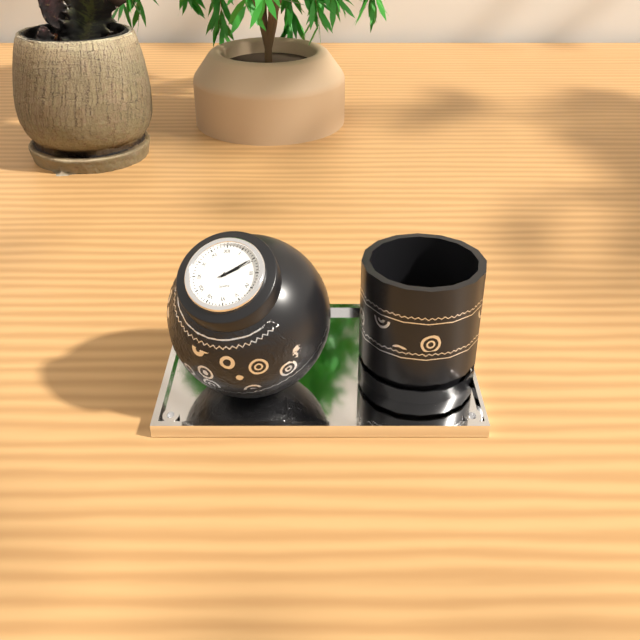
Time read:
**2:10:11**
